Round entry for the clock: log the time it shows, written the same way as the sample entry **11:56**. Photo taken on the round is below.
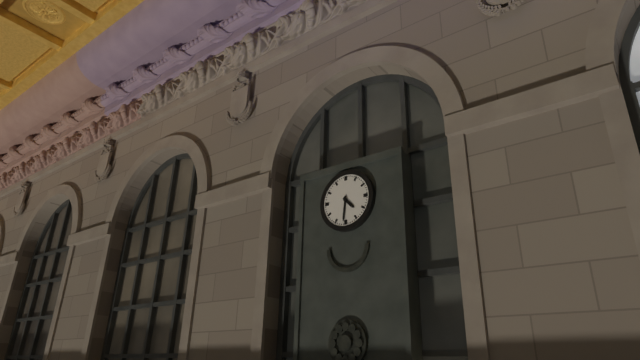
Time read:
**4:31**
